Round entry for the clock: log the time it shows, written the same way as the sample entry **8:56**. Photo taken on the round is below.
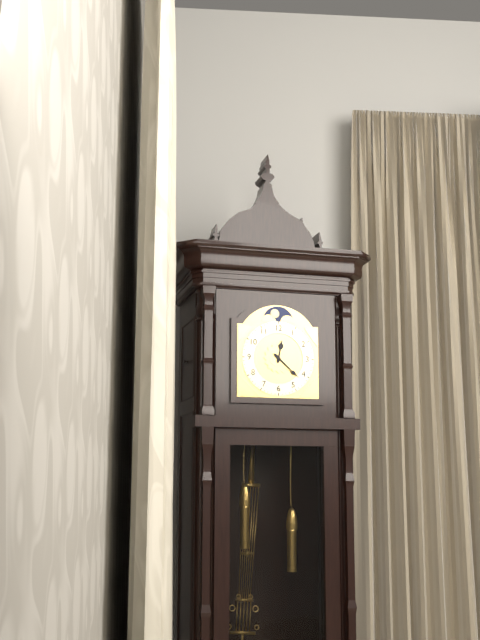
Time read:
**12:22**
